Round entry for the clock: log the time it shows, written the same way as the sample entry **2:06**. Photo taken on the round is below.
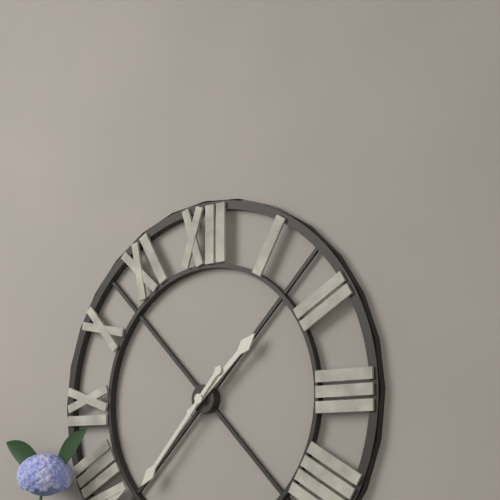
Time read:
**1:37**
